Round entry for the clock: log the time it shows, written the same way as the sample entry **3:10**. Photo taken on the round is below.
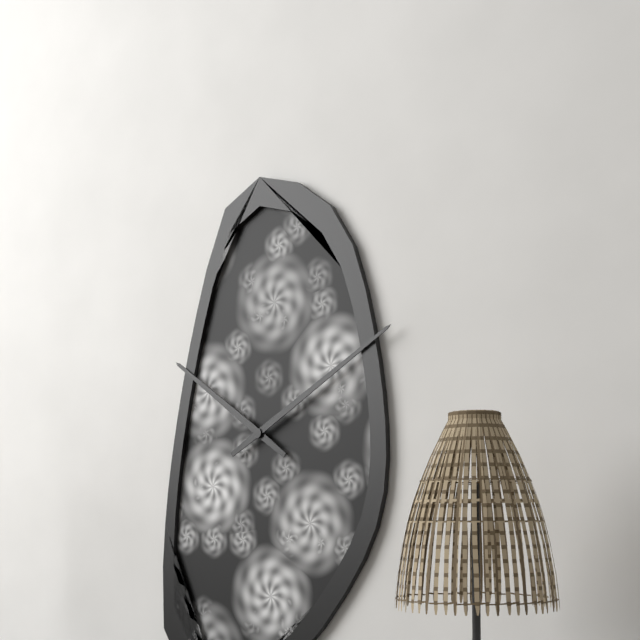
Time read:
**10:10**
